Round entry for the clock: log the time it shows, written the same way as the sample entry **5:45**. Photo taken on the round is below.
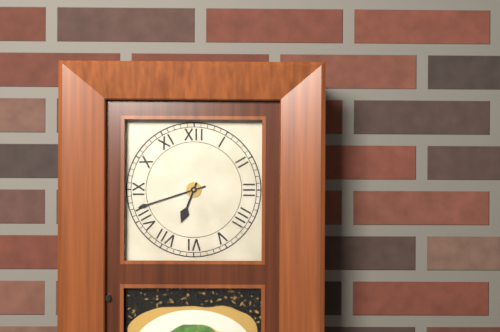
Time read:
**6:42**
